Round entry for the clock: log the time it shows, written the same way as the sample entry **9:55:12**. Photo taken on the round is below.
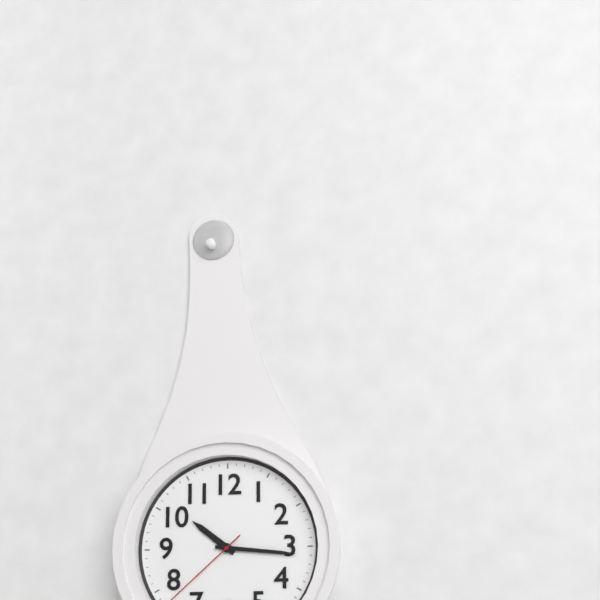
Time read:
**10:16:38**
